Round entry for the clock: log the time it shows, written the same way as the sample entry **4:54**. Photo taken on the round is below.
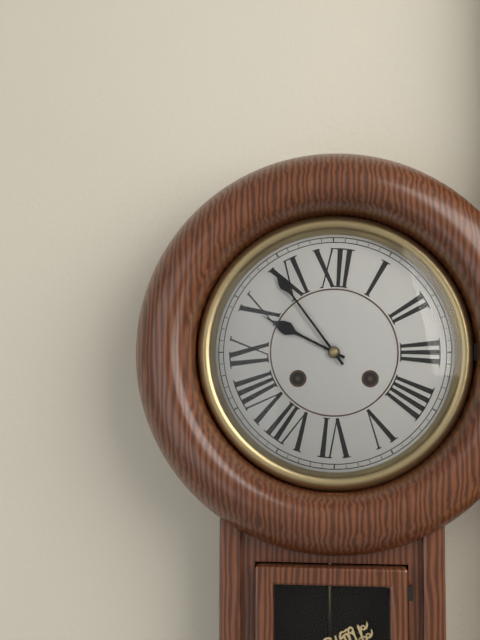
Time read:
**9:54**
